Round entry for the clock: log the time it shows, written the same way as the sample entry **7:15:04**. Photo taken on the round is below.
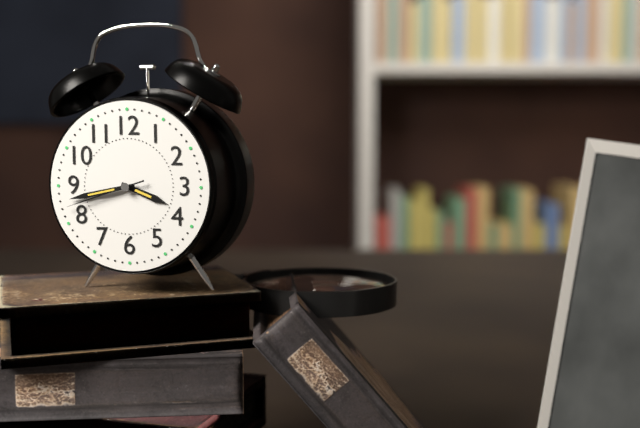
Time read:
**3:43:42**
